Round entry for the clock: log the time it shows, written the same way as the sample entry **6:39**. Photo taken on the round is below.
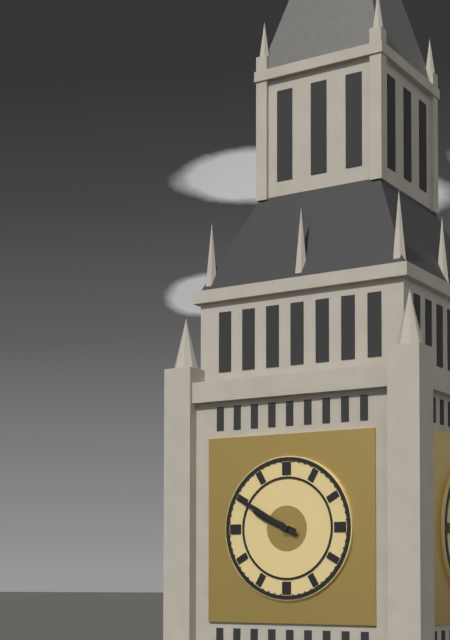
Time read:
**9:50**
